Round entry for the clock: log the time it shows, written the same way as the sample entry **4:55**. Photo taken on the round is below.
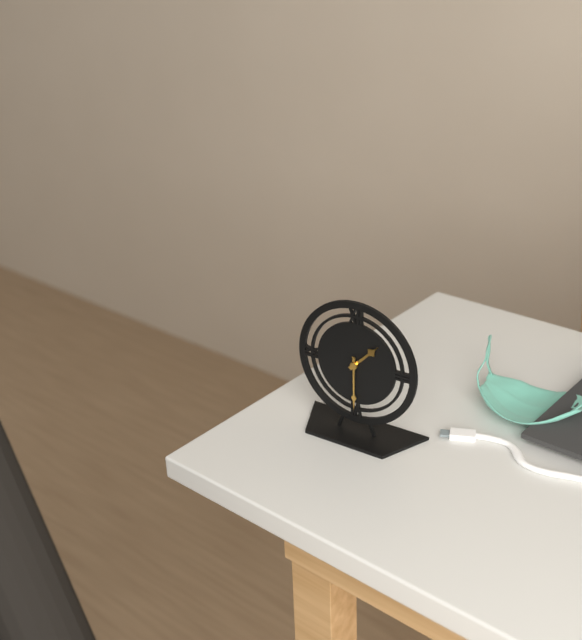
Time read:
**1:30**
